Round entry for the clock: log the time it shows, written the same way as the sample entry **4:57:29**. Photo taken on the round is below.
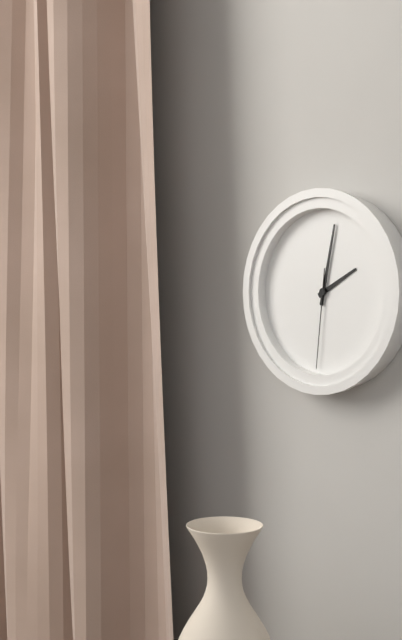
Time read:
**2:02:31**
